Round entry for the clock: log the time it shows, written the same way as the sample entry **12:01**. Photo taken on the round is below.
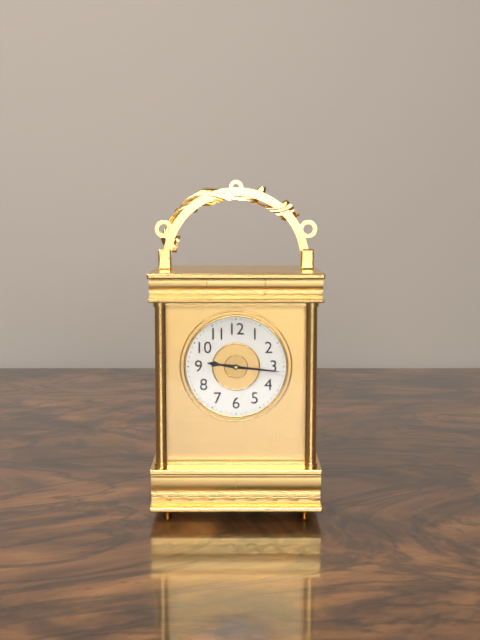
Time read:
**9:16**
